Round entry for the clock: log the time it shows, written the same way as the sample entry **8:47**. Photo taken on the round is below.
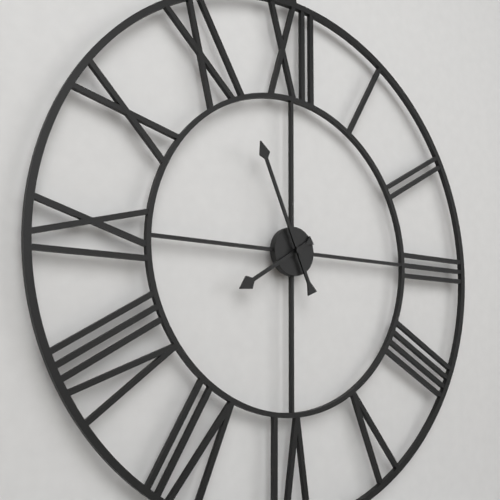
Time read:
**7:56**
